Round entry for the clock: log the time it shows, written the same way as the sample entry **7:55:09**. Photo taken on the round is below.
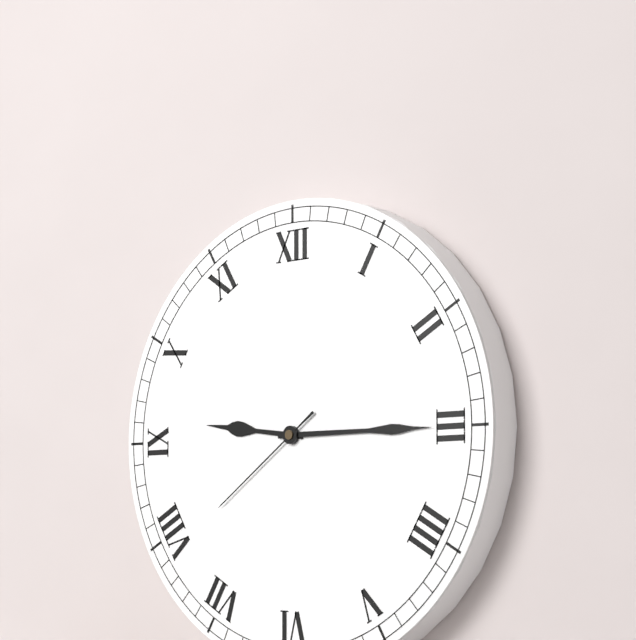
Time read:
**9:15:39**
